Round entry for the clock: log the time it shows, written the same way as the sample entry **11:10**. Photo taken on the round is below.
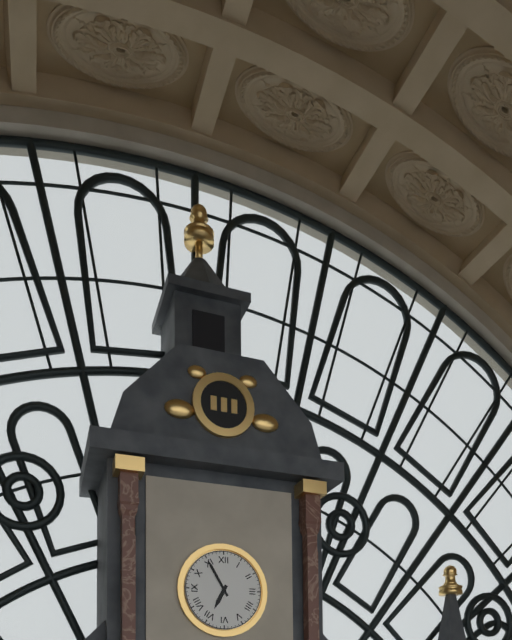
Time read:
**6:55**
